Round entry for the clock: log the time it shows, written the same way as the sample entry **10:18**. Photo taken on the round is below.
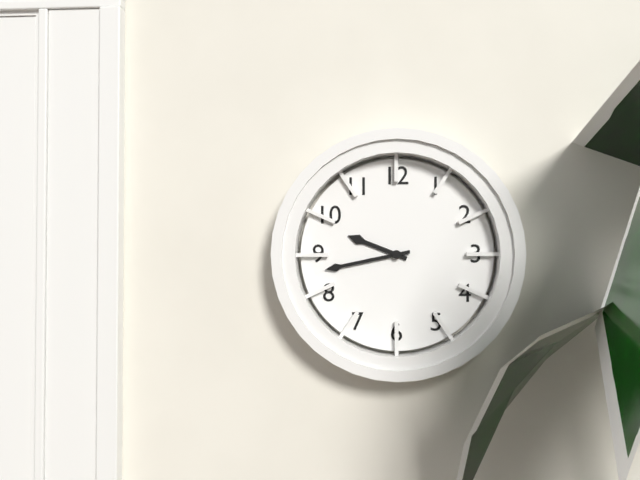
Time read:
**9:43**
